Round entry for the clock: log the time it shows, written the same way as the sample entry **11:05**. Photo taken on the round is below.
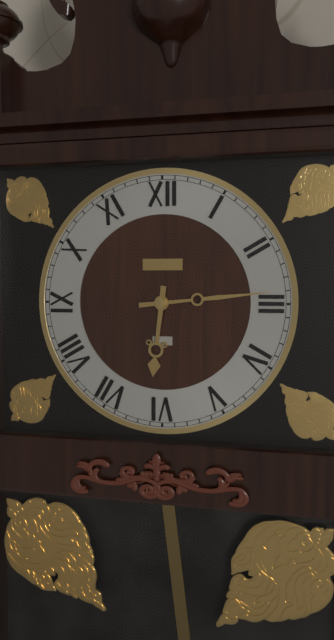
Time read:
**6:14**
